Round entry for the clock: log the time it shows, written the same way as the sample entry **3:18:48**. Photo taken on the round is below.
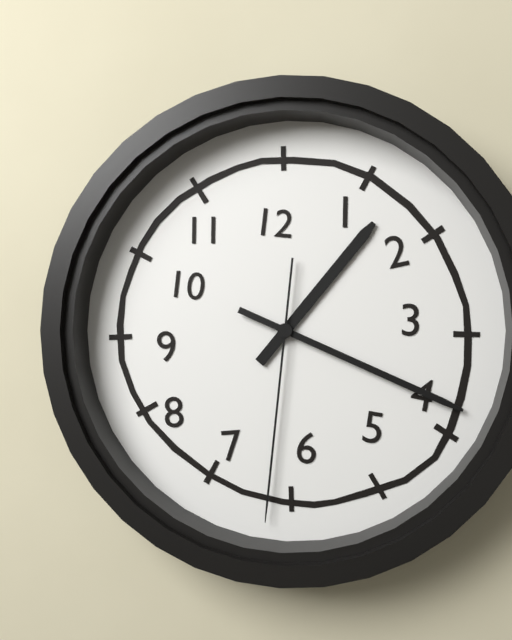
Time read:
**1:19:31**
